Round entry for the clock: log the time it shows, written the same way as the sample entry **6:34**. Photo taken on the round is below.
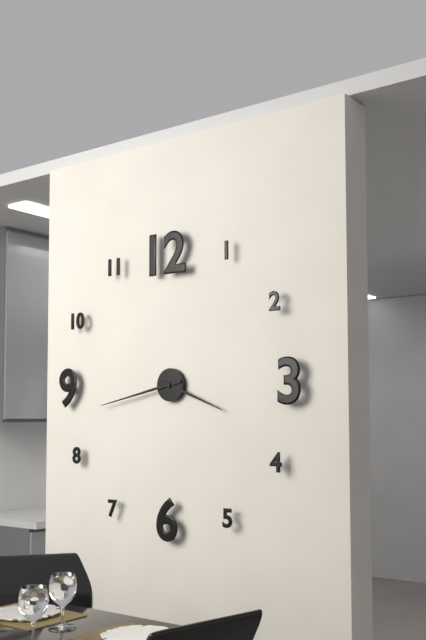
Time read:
**3:43**
